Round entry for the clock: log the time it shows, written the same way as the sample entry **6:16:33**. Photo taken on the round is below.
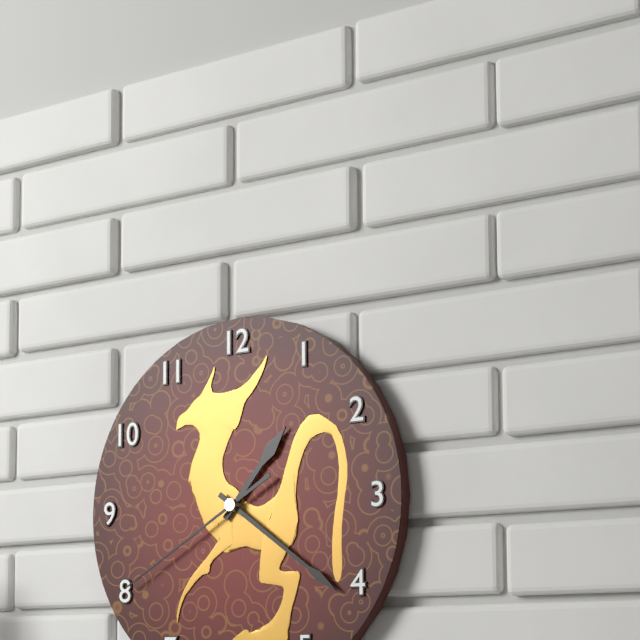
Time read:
**1:21:40**
